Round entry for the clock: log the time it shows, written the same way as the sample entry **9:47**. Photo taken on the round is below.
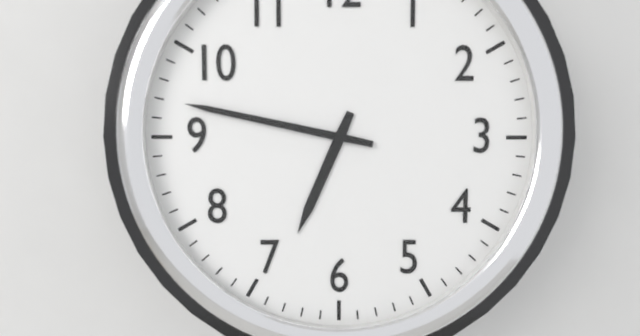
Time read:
**6:47**
